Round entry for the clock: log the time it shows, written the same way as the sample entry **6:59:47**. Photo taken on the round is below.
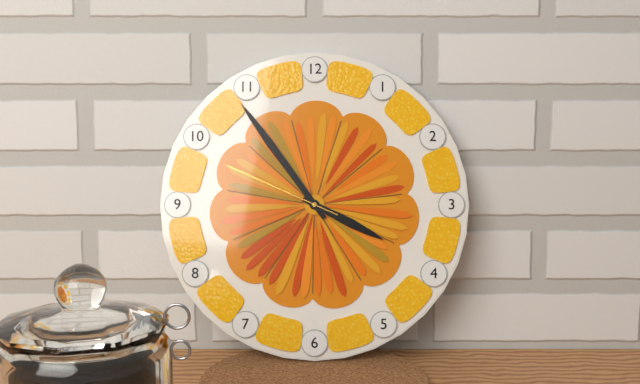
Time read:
**3:54:49**
